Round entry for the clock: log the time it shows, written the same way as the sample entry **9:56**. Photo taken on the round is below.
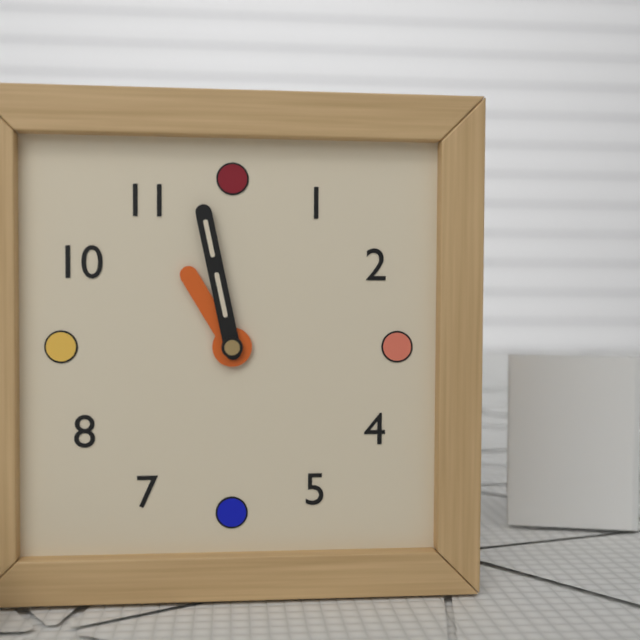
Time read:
**10:58**
